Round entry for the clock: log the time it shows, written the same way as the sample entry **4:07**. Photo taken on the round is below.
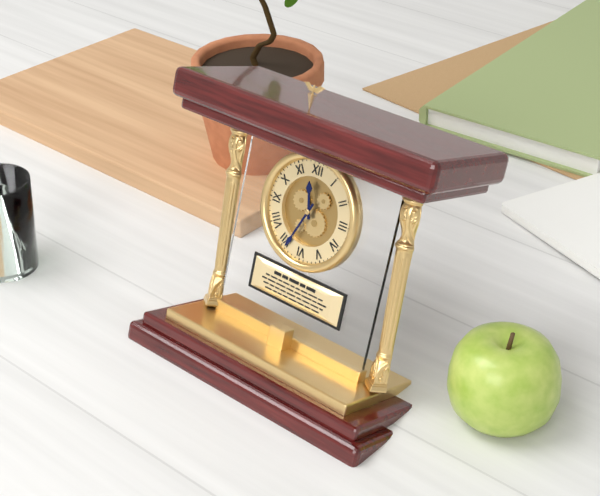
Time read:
**11:34**
